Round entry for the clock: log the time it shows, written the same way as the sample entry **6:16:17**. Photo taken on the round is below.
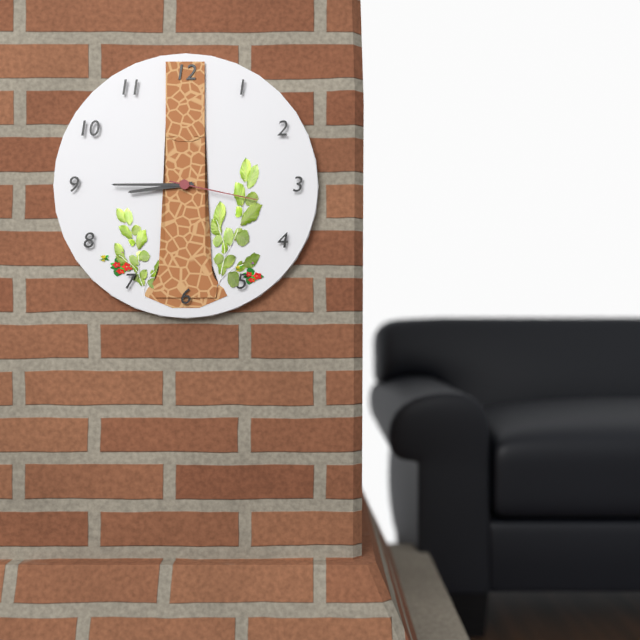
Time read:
**8:45:17**
